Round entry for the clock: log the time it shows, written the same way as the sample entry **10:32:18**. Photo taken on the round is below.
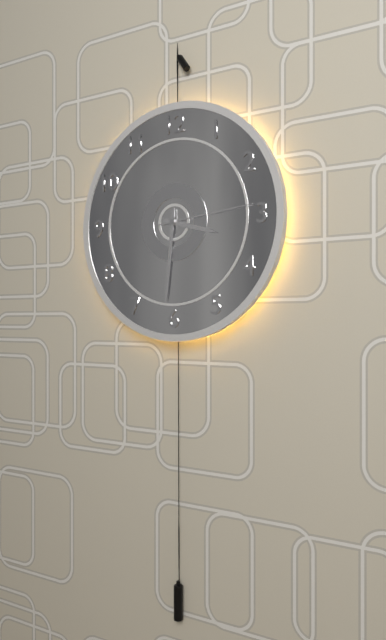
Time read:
**3:31:14**
